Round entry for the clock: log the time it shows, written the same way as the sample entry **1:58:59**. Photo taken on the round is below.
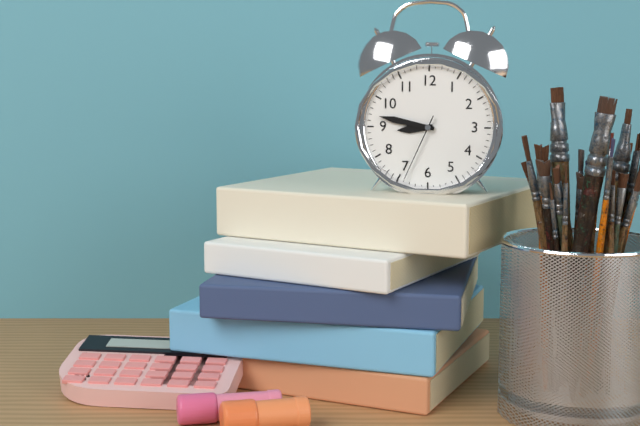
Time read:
**8:47:34**
